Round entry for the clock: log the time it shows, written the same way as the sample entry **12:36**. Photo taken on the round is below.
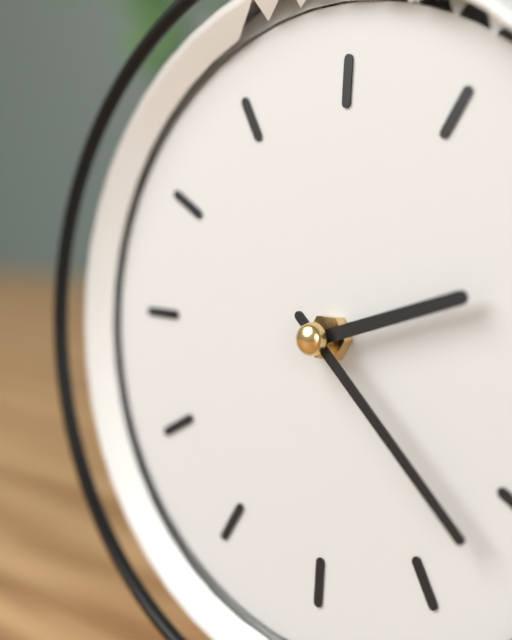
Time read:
**2:22**
